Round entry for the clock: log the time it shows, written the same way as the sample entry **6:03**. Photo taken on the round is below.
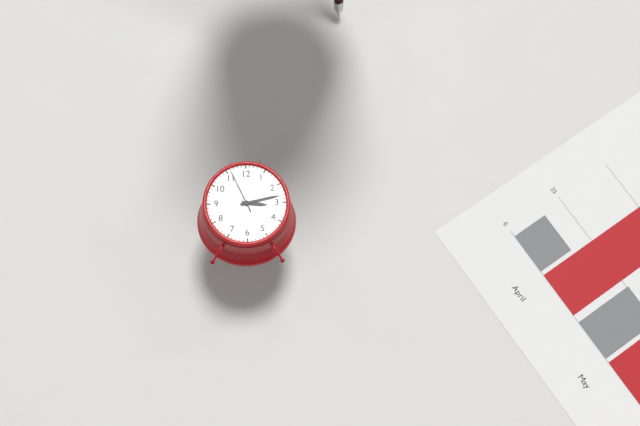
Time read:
**3:13**
